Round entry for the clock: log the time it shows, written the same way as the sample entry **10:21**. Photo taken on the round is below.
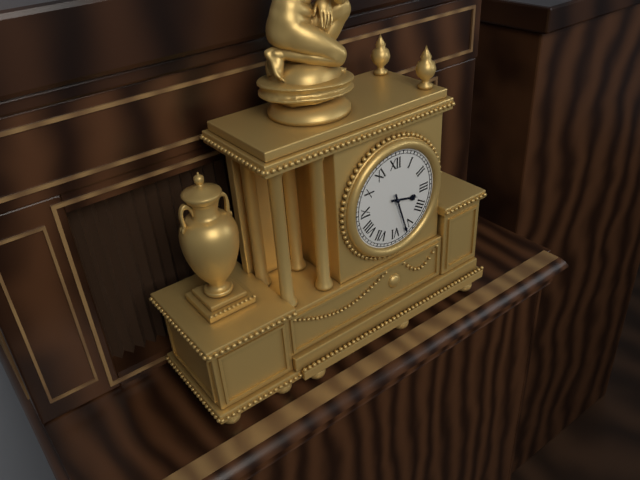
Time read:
**3:27**
